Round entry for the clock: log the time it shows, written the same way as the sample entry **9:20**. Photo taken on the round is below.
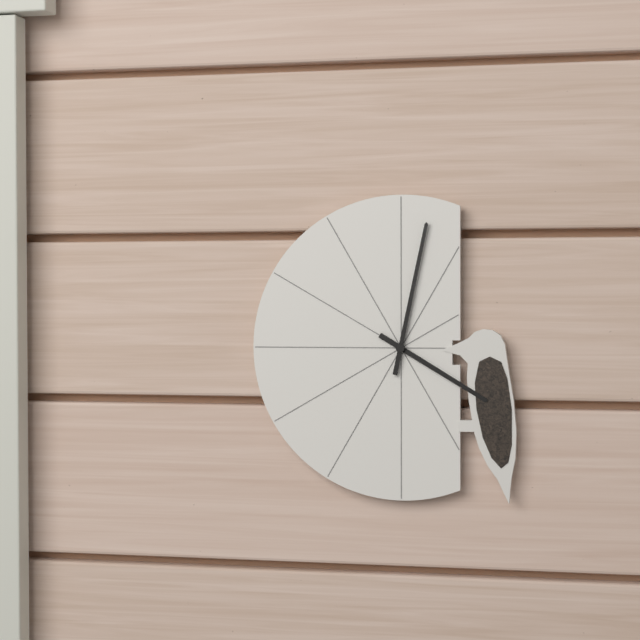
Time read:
**4:02**
